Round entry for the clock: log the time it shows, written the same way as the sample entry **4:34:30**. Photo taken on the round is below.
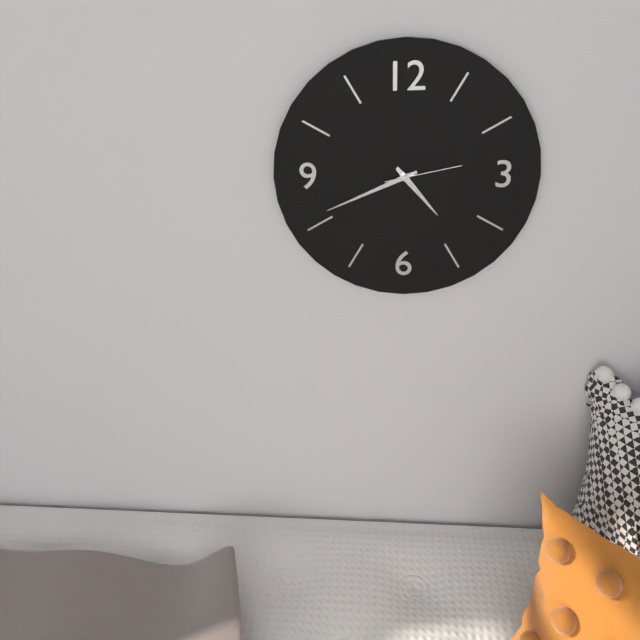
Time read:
**4:41:13**
